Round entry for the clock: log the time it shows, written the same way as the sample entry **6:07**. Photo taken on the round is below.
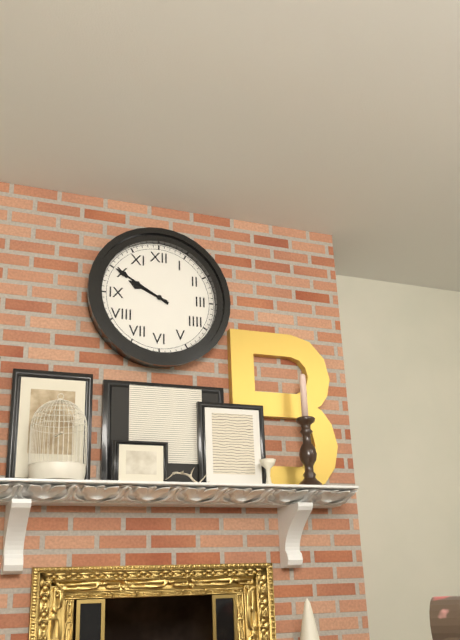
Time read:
**9:50**
